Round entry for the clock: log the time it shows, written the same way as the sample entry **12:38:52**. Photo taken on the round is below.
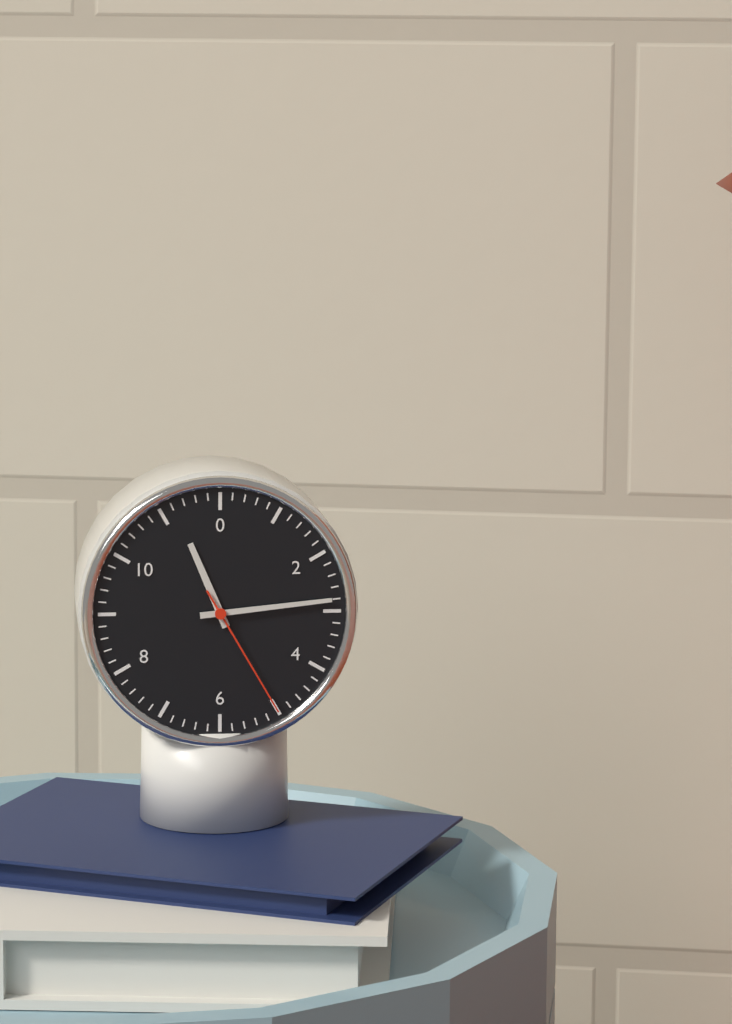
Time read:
**11:14:25**
